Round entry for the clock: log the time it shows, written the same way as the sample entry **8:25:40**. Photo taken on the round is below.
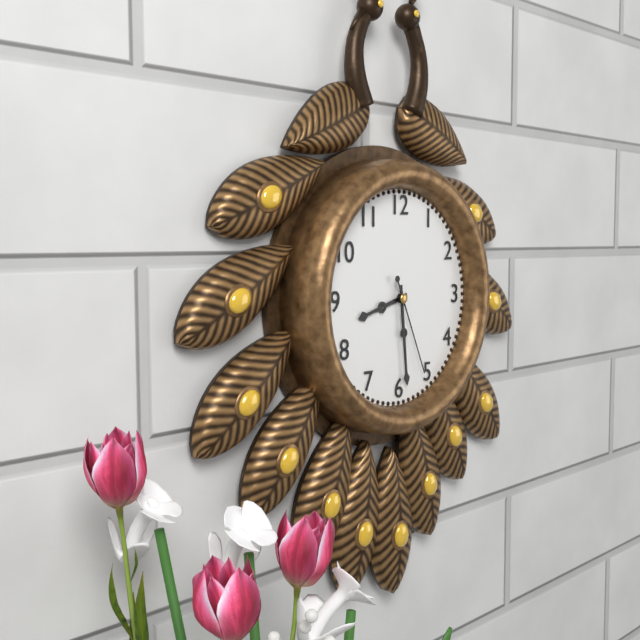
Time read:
**8:29:26**
